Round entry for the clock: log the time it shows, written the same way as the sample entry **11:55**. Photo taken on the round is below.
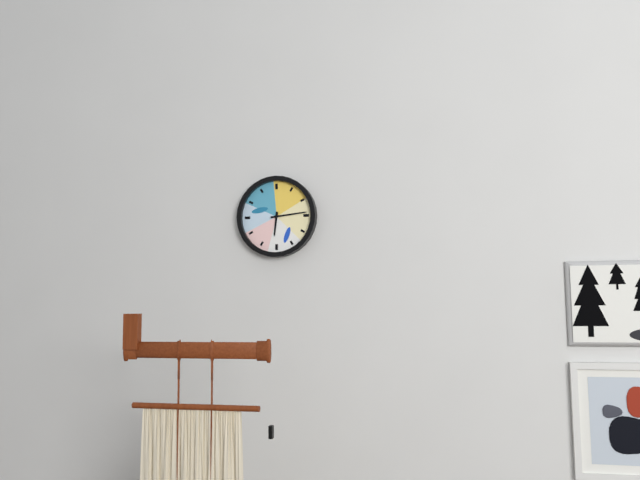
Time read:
**6:14**
